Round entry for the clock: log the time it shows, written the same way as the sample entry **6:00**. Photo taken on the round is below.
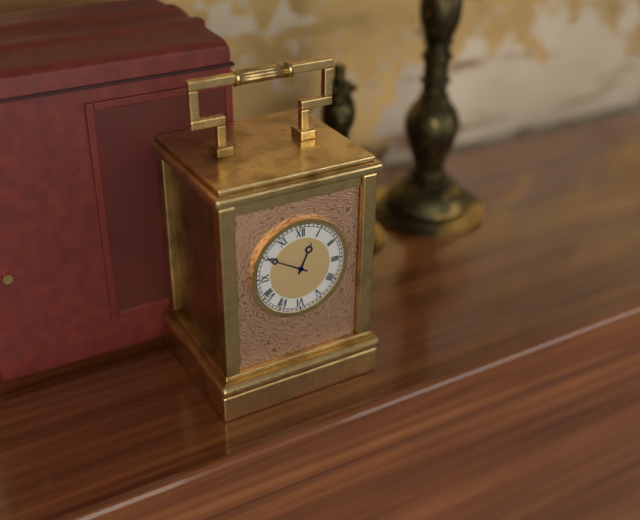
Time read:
**12:50**
